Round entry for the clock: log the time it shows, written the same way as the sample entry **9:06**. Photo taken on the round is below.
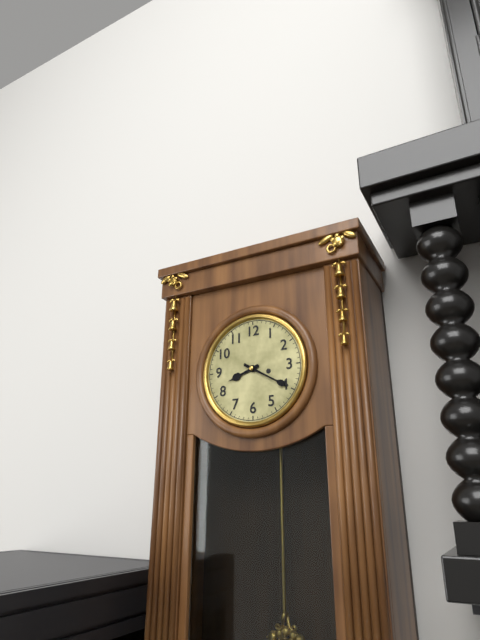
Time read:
**8:20**
